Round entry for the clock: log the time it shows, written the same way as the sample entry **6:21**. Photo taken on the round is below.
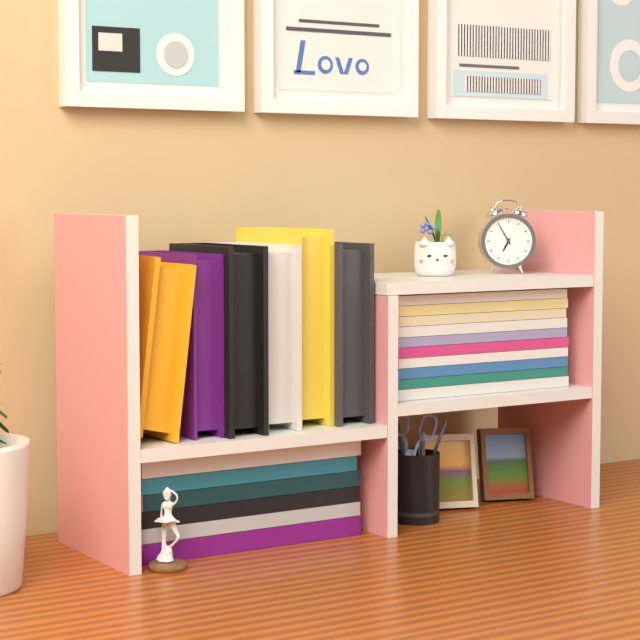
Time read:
**6:55**
